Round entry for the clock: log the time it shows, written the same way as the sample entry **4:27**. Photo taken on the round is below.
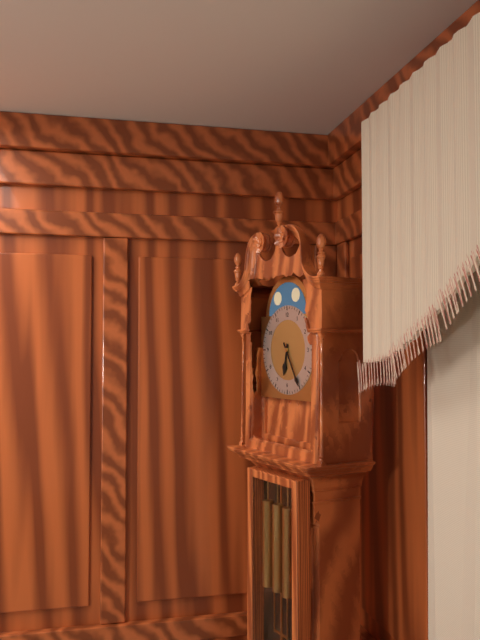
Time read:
**6:25**
